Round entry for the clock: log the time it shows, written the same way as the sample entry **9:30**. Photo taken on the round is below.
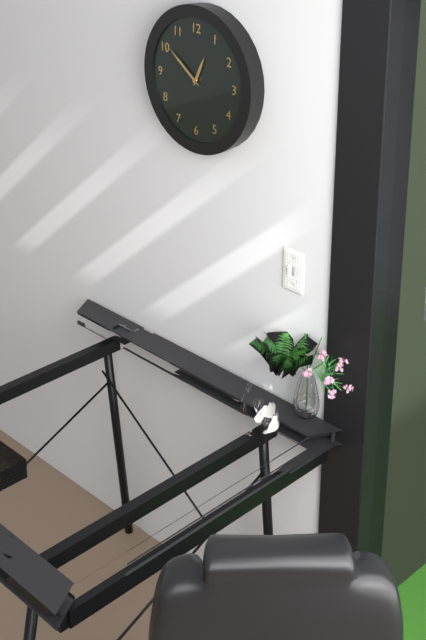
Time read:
**12:51**
